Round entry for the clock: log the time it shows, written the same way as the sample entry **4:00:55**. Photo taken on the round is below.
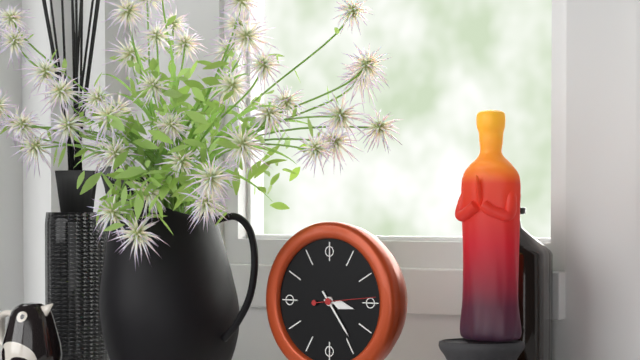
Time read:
**3:24:14**
